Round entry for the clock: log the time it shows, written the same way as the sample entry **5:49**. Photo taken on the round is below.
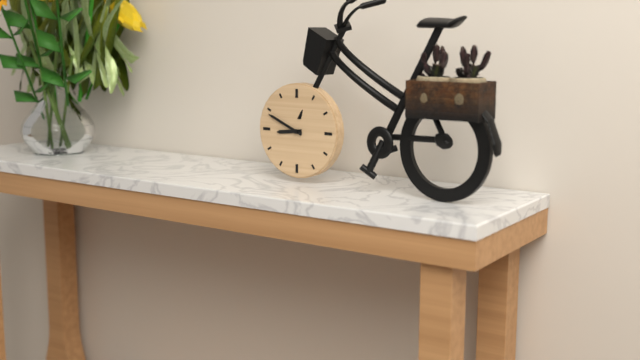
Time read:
**8:49**
